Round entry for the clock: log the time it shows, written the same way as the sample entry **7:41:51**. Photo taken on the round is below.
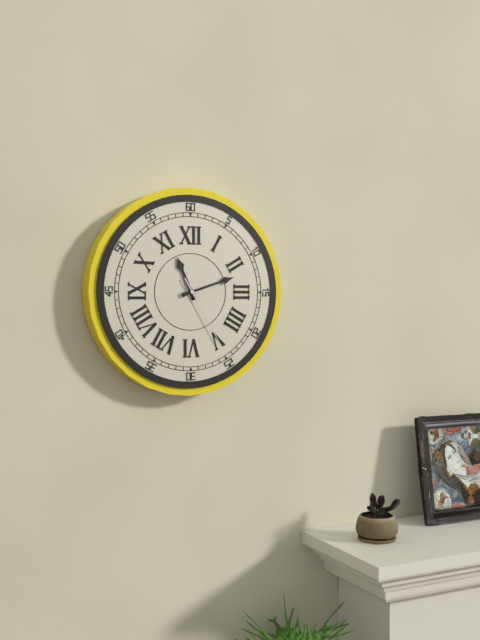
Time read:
**11:12:25**
